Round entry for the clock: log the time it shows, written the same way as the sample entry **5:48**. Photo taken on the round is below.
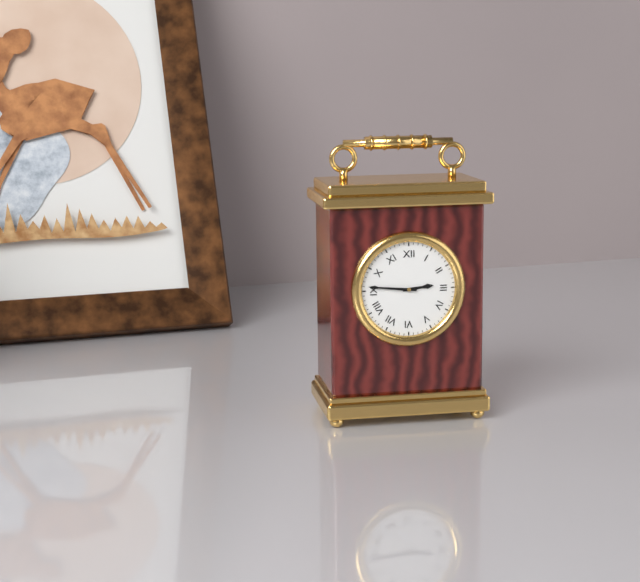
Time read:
**2:46**
